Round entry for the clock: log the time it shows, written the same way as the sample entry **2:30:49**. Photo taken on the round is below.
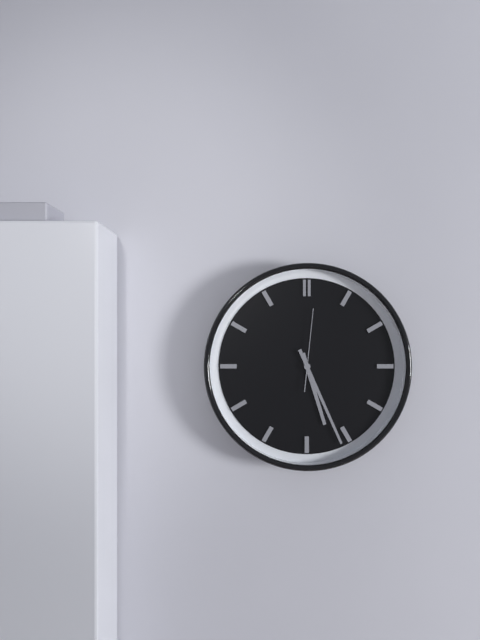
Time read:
**5:26:01**
